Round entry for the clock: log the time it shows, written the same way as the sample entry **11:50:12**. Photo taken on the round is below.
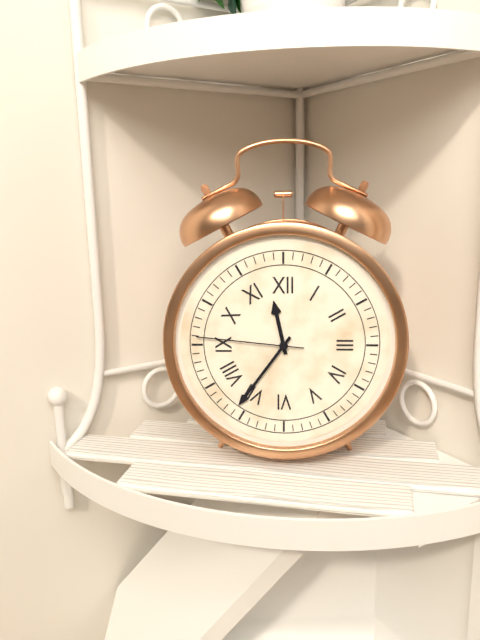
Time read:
**11:36:46**
